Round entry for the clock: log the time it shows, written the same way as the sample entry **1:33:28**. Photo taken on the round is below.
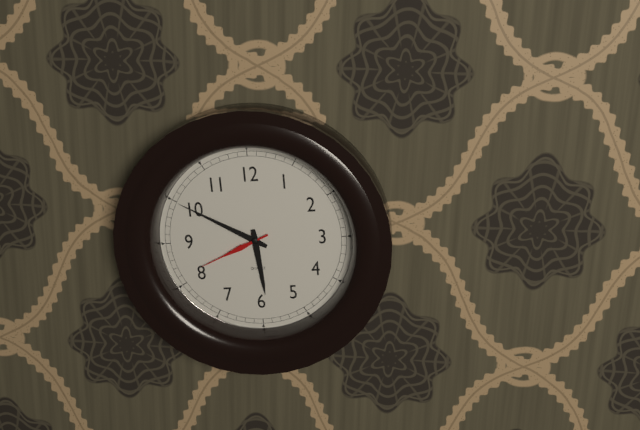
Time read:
**5:50:41**
